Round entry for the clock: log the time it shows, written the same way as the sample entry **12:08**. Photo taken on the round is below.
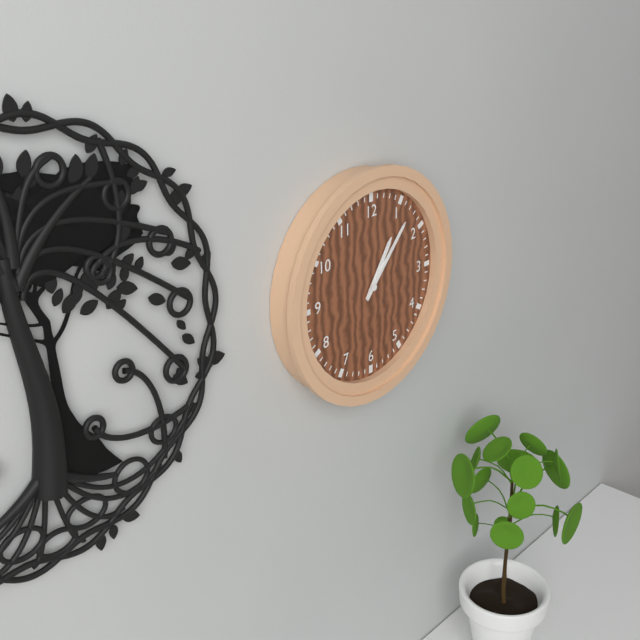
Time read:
**1:07**
